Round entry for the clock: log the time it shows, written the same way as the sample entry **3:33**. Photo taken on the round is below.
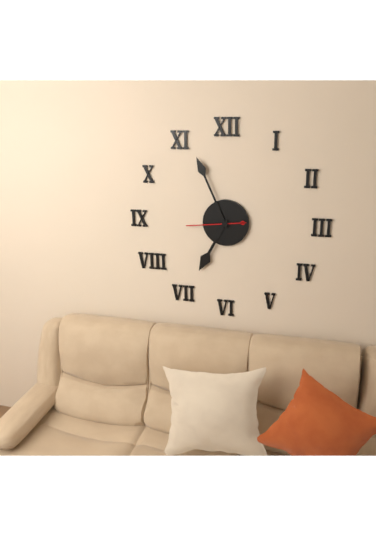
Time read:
**6:56**
